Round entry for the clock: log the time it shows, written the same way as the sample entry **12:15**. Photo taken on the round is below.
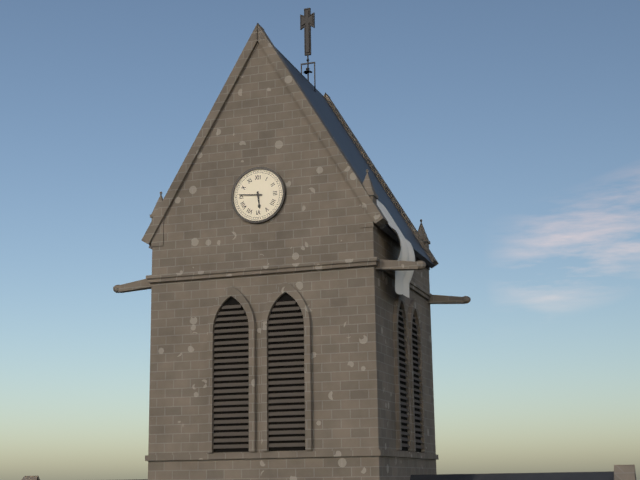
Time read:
**5:46**
